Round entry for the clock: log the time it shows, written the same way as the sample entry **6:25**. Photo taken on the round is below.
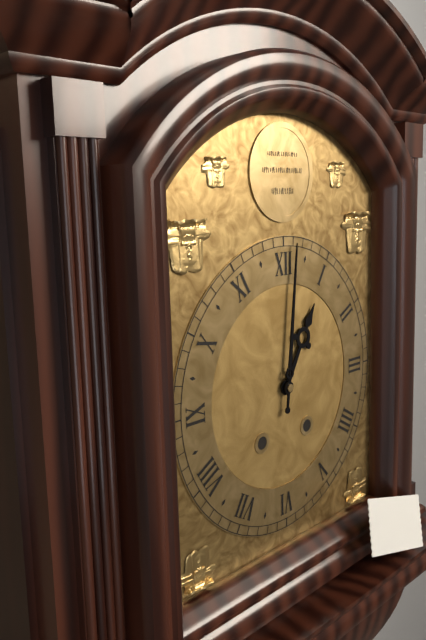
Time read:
**1:01**
